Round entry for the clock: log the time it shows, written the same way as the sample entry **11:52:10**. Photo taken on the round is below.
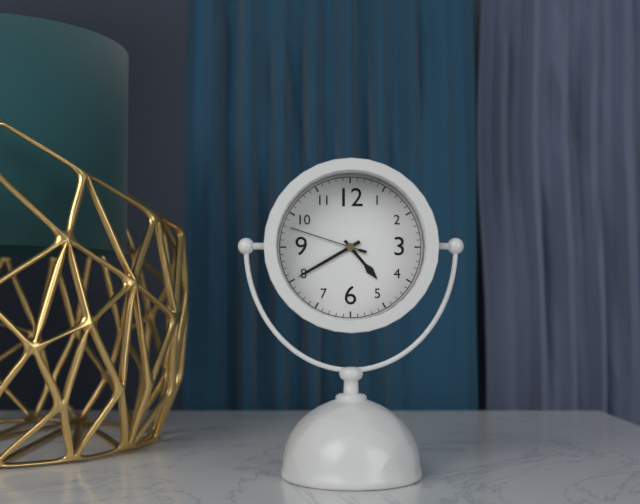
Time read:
**4:40:48**
